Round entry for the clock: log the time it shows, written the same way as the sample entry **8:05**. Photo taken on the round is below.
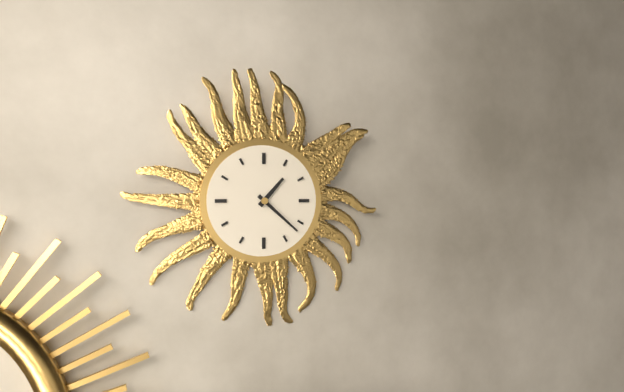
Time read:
**1:22**
